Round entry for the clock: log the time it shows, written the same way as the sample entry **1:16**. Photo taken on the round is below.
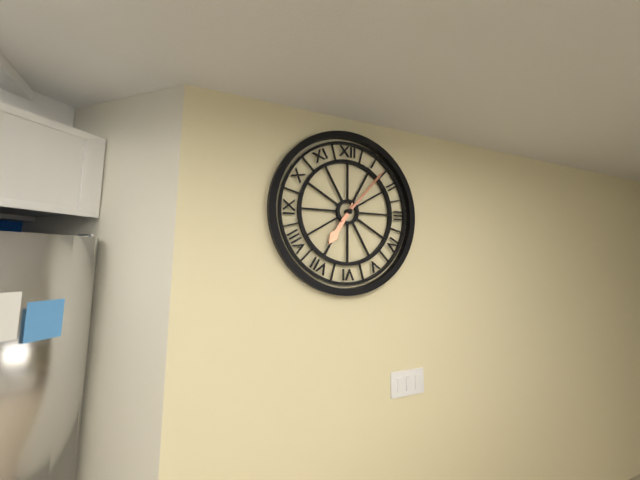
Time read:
**7:07**
